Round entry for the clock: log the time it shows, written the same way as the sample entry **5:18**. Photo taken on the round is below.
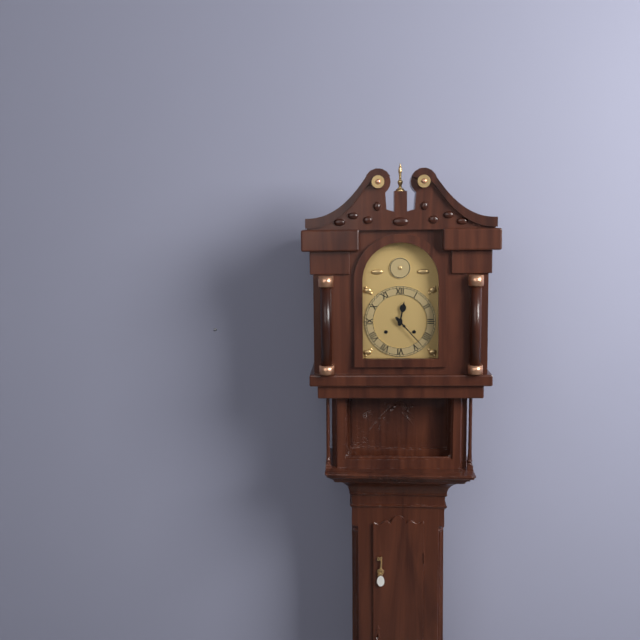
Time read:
**12:23**
